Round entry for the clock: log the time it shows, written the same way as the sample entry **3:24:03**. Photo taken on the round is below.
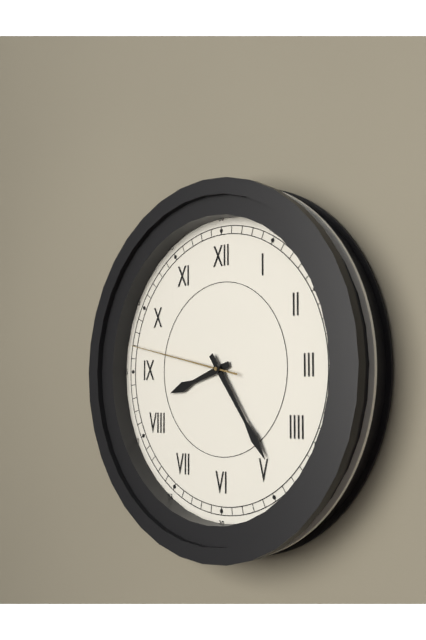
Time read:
**8:24:47**
